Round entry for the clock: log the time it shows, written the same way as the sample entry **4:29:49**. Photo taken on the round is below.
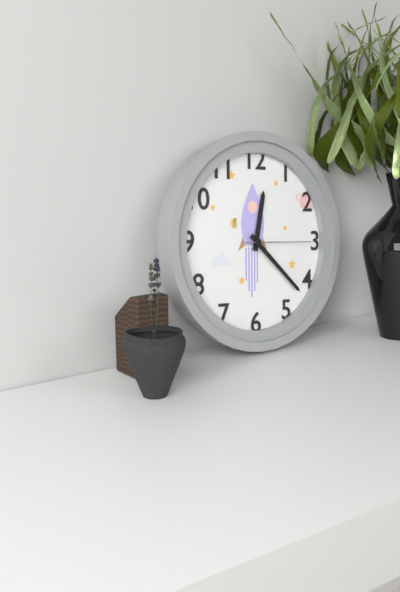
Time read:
**12:22:15**
